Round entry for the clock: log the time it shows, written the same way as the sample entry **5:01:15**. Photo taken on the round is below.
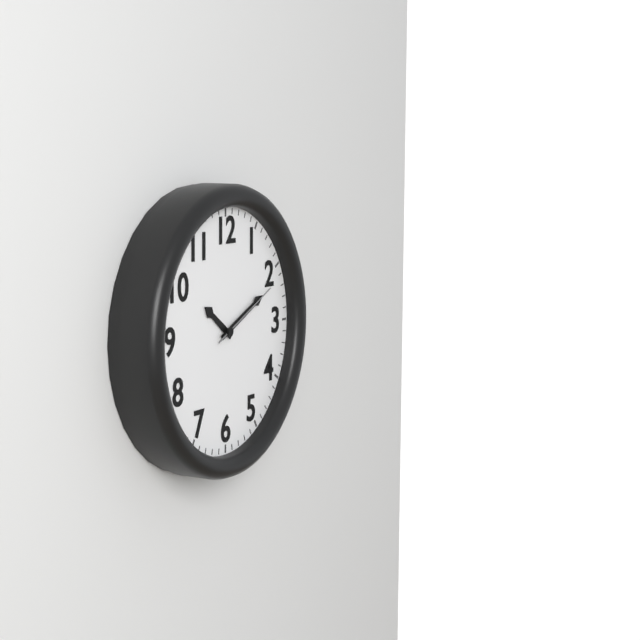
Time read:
**10:11:11**
